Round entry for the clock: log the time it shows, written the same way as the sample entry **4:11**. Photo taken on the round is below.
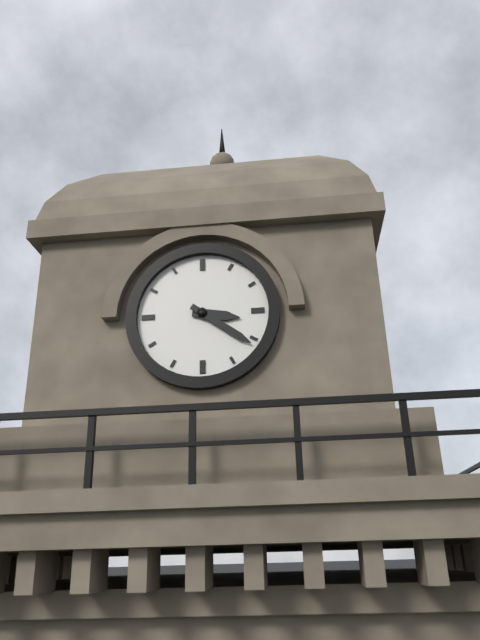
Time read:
**3:21**
